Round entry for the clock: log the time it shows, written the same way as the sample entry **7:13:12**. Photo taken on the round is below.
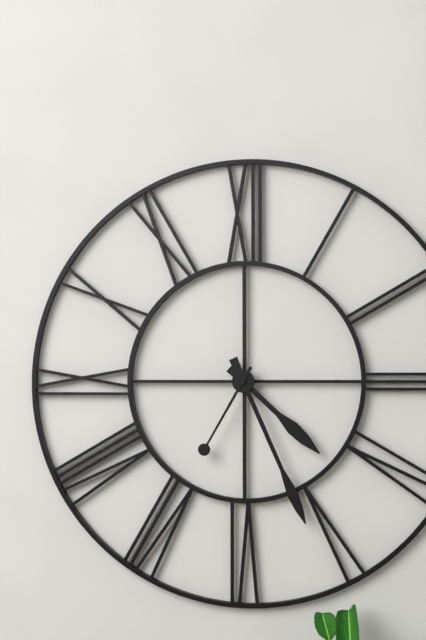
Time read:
**4:26:35**
